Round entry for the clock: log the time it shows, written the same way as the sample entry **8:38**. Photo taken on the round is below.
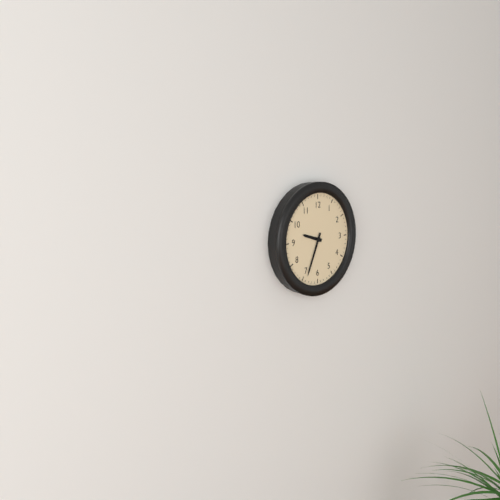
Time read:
**9:34**
